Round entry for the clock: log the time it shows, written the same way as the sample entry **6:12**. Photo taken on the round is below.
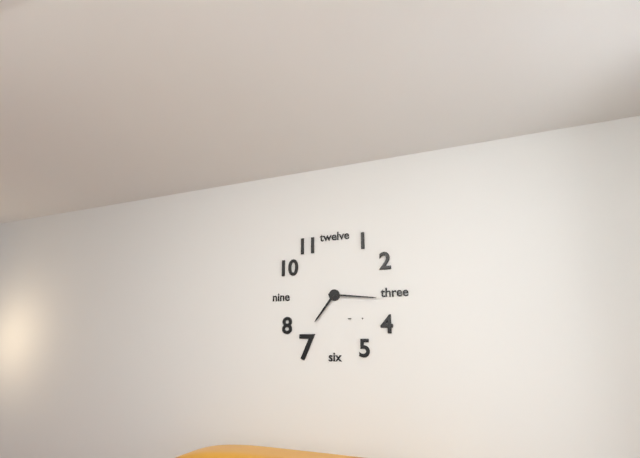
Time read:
**7:16**
